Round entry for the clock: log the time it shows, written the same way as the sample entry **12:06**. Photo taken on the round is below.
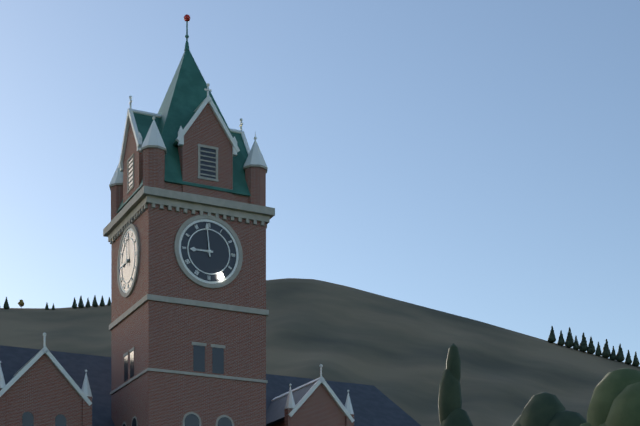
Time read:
**8:59**
